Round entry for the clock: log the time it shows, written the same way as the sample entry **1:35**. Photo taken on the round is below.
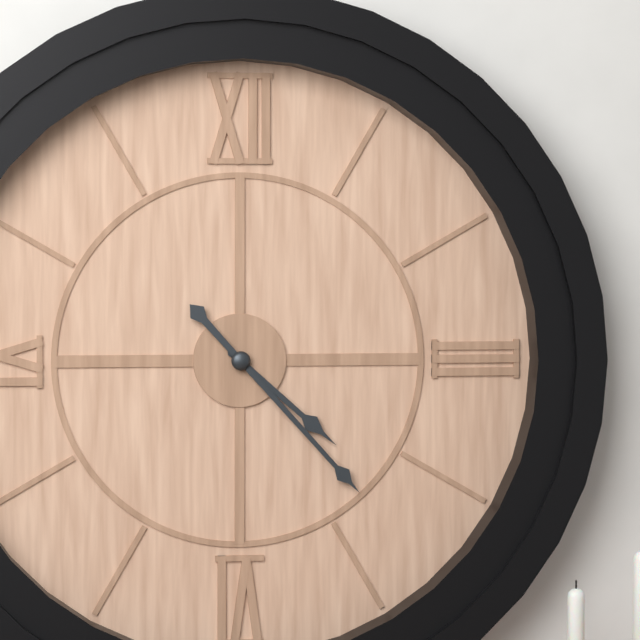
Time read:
**4:23**
